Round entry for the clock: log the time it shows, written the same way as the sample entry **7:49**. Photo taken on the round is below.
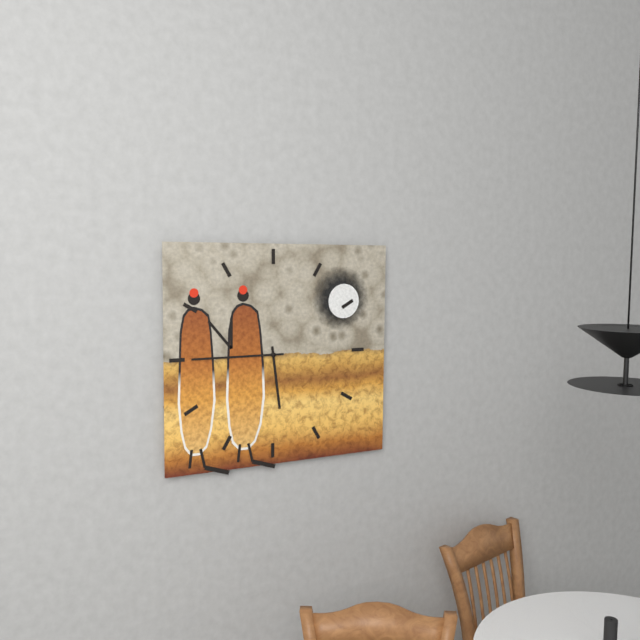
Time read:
**5:45**
